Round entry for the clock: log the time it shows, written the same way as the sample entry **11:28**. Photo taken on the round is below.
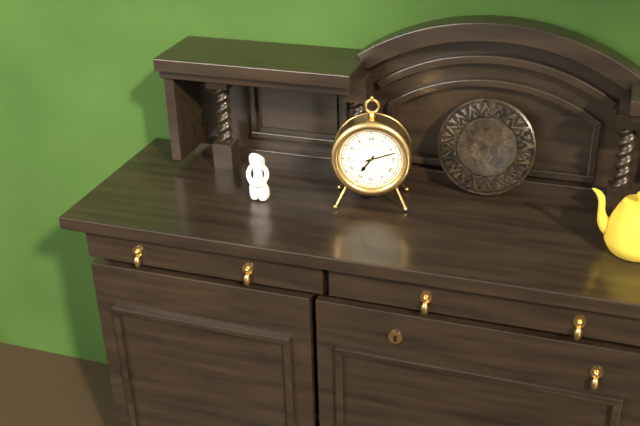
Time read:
**7:12**
